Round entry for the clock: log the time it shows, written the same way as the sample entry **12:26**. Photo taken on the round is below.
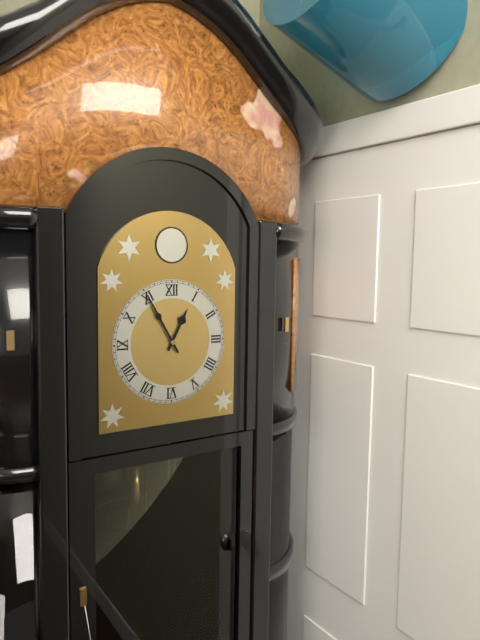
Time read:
**12:55**
